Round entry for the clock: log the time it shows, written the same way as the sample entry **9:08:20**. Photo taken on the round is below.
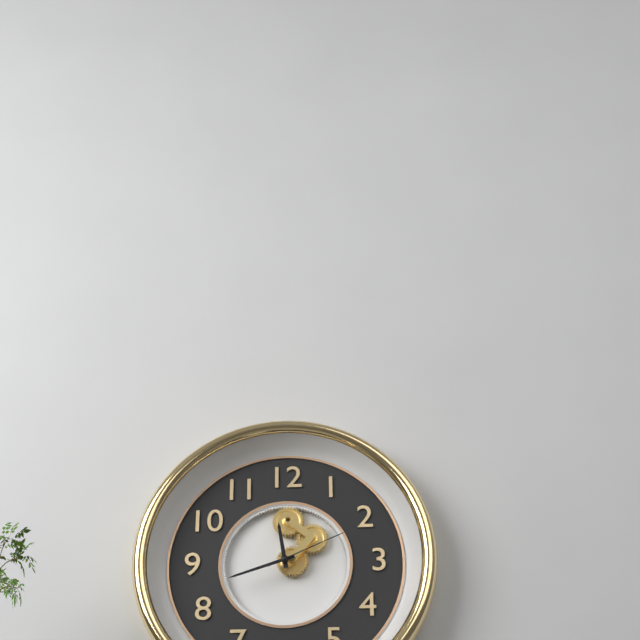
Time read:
**11:42:11**
